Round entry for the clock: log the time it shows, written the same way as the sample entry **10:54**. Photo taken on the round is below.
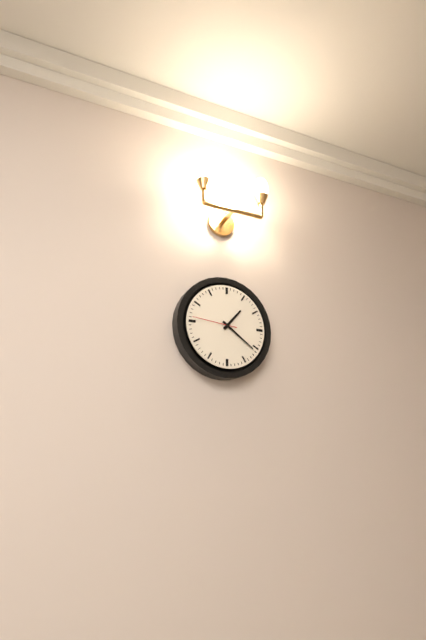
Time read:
**1:21**
